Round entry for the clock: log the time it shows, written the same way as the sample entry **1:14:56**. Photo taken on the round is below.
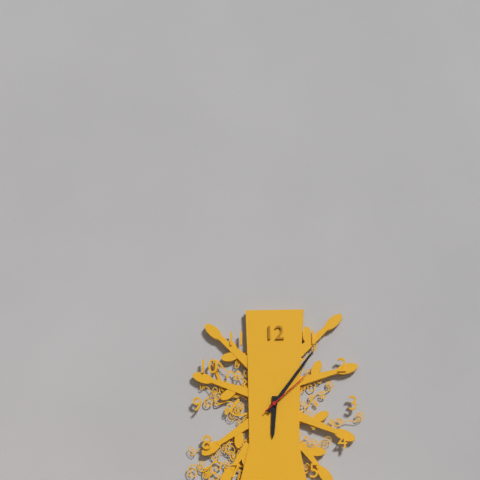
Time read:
**6:06:08**
